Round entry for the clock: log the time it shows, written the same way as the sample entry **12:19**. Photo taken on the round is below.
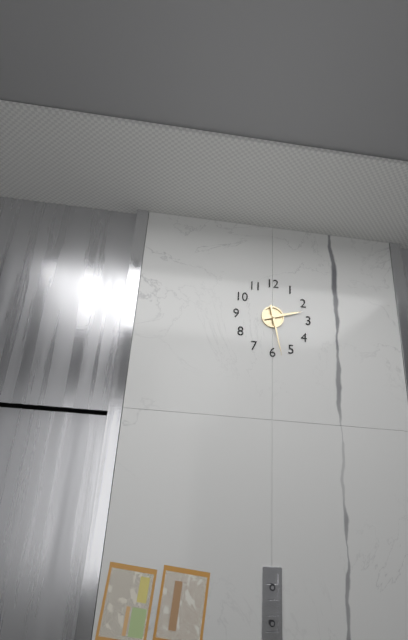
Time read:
**2:28**
